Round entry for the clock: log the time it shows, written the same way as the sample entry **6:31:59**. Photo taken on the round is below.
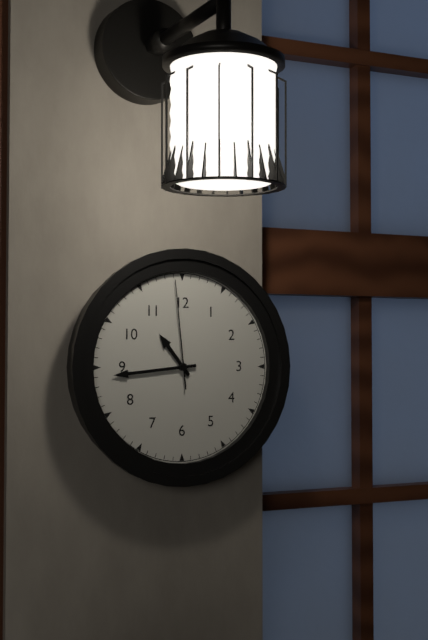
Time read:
**10:44:59**
